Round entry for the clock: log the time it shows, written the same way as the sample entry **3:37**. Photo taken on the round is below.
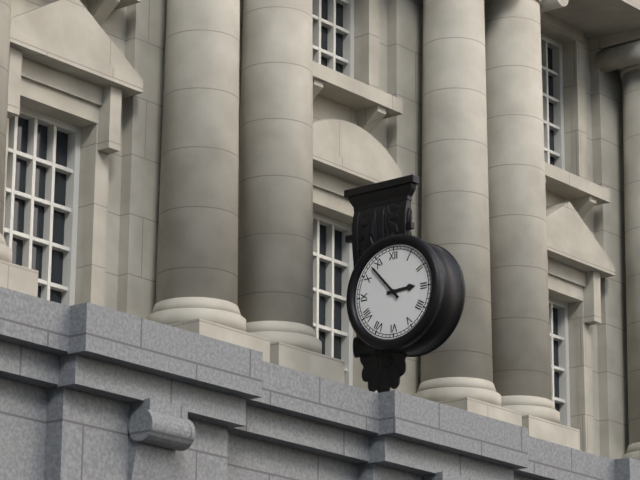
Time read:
**2:53**
